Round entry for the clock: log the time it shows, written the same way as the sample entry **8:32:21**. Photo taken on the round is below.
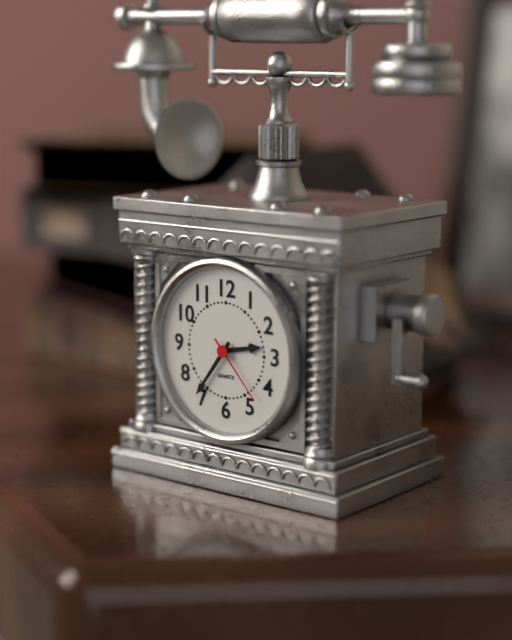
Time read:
**2:36:23**
